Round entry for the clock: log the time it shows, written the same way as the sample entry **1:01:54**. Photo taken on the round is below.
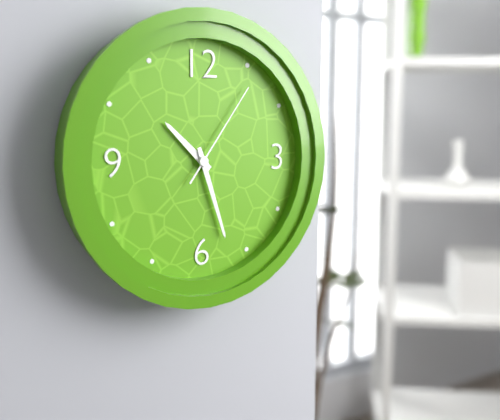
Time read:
**10:27:06**
